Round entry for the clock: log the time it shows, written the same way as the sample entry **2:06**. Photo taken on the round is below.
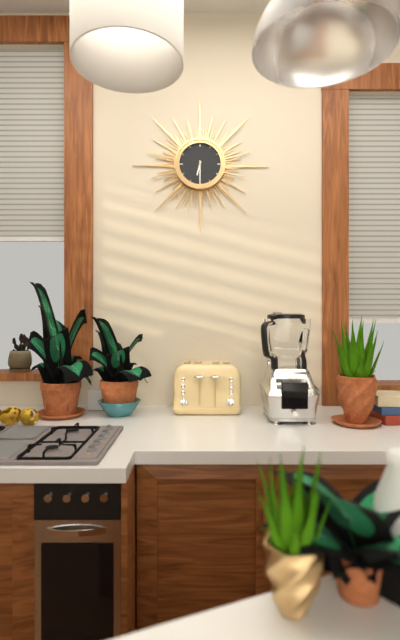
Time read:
**6:30**
